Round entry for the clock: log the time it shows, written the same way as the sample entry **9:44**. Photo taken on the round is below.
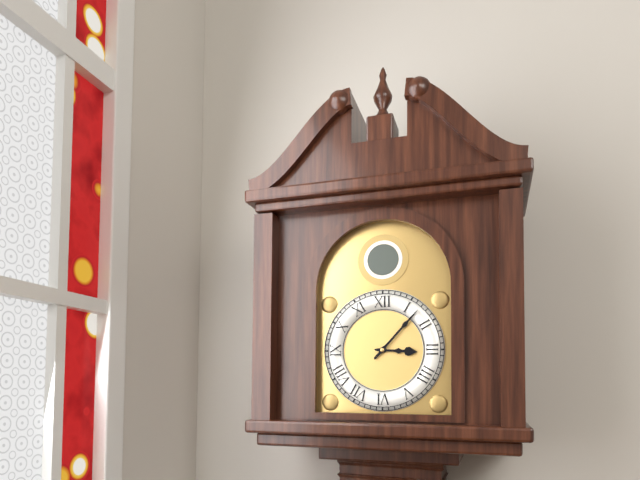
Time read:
**3:07**
